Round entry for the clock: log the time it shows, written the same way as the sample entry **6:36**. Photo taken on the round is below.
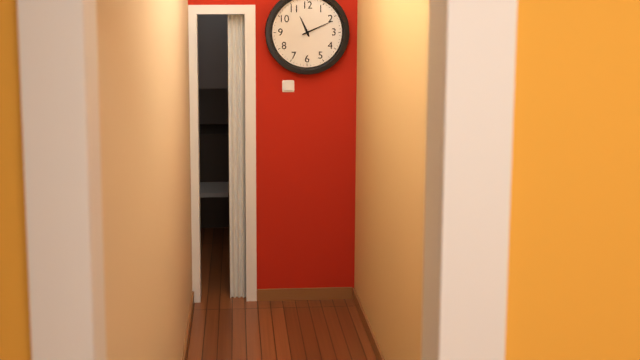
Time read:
**11:11**
